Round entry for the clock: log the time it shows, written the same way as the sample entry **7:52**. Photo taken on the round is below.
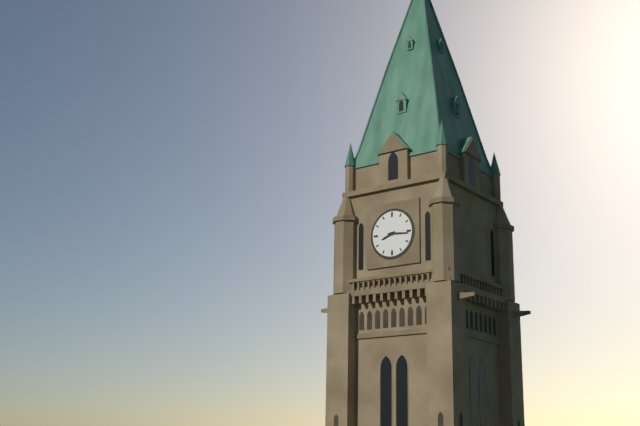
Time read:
**8:16**
